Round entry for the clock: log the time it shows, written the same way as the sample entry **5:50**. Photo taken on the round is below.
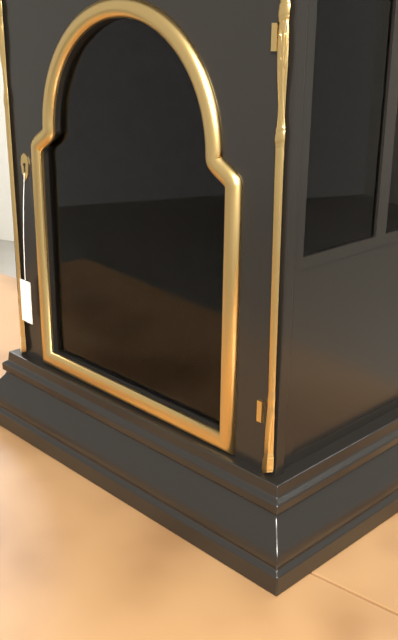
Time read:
**9:27**
